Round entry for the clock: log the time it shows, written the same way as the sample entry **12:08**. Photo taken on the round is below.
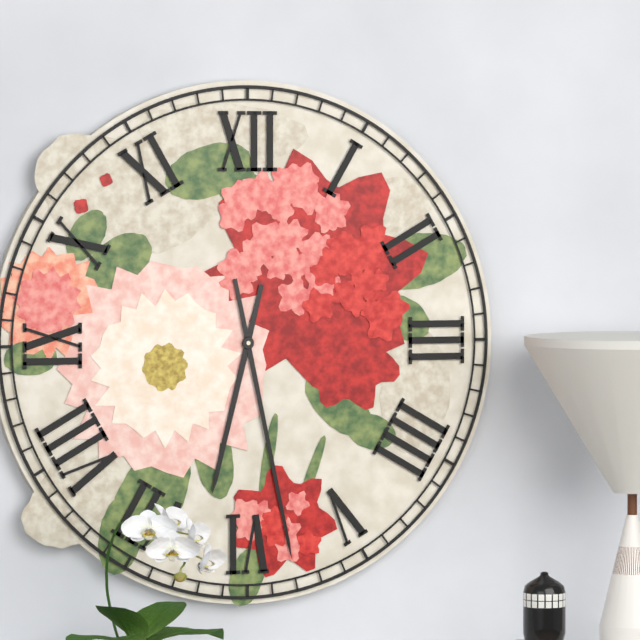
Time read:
**6:28**
